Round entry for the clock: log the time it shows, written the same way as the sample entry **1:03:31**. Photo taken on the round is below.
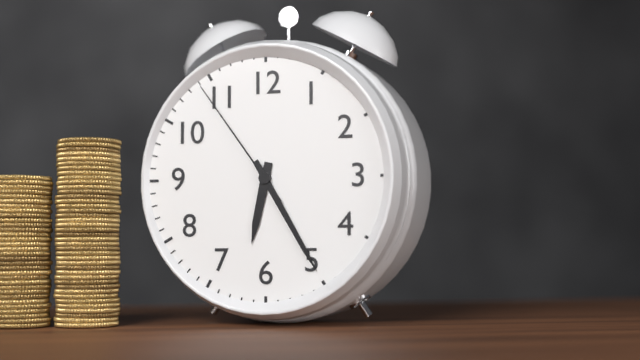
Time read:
**6:25:54**
